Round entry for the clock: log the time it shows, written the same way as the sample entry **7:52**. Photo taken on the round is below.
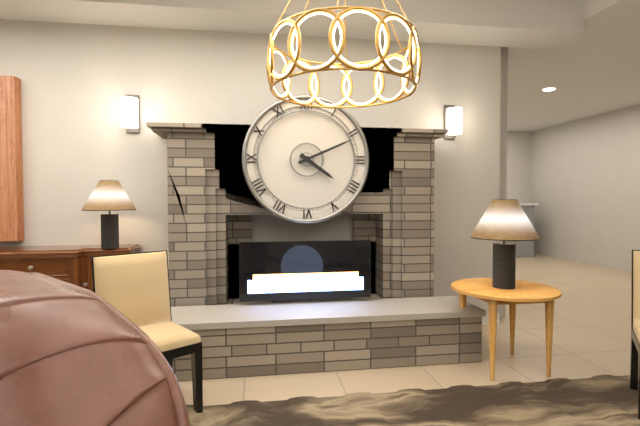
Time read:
**4:11**
